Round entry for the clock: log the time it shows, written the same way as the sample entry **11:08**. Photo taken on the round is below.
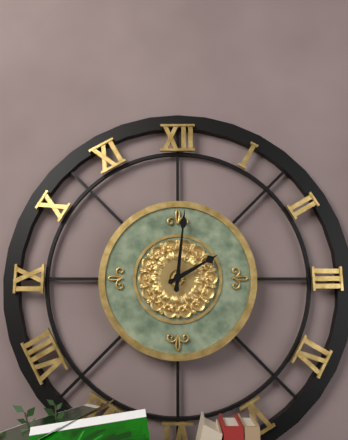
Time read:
**2:01**
